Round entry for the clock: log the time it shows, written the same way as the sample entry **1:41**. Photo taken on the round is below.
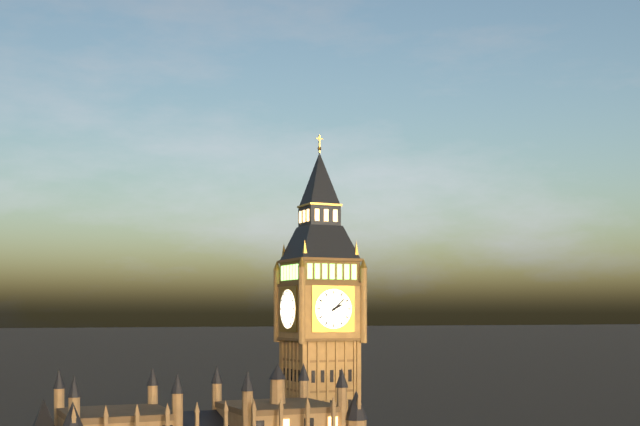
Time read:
**2:08**
